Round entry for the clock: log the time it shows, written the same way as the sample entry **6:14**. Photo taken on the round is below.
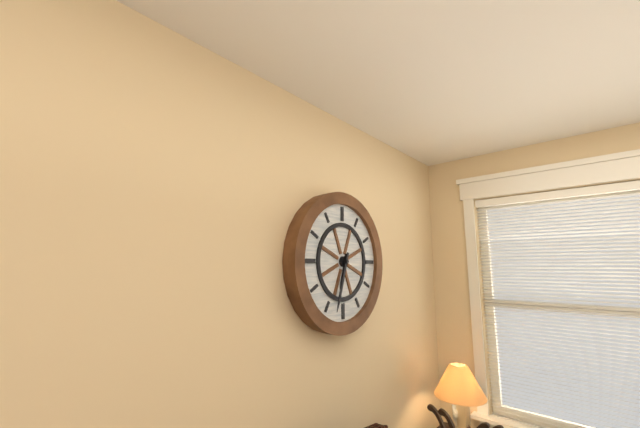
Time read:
**6:33**
